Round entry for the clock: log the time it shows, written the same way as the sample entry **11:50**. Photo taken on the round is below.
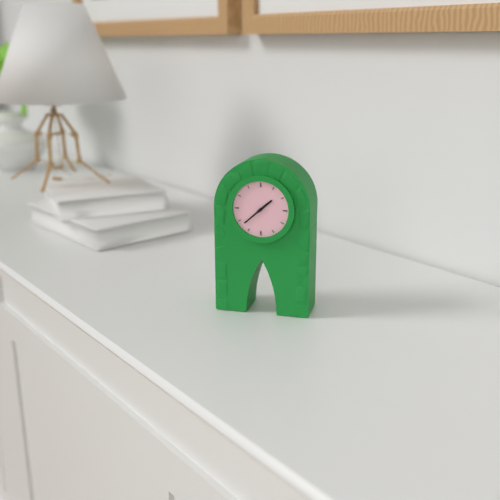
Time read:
**1:38**
